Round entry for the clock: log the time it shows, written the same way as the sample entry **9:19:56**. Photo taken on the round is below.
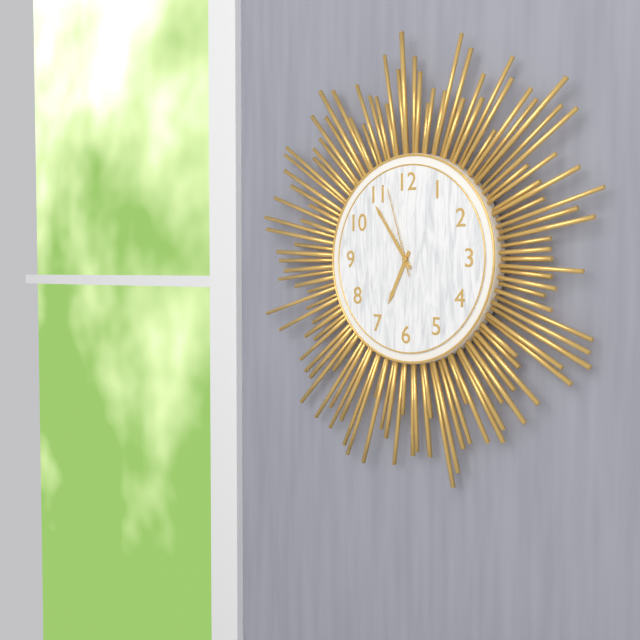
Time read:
**6:54:57**
